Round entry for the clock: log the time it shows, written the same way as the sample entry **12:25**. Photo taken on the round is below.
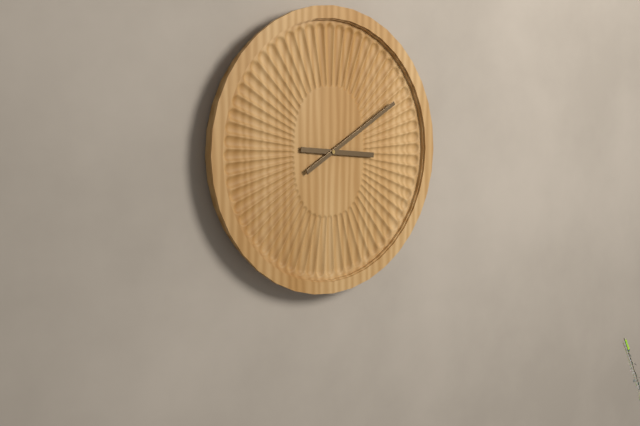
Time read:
**3:10**
